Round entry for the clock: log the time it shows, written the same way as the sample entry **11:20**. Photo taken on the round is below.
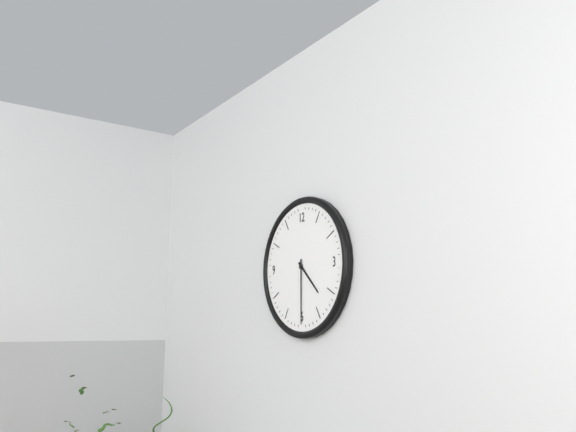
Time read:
**4:30**
